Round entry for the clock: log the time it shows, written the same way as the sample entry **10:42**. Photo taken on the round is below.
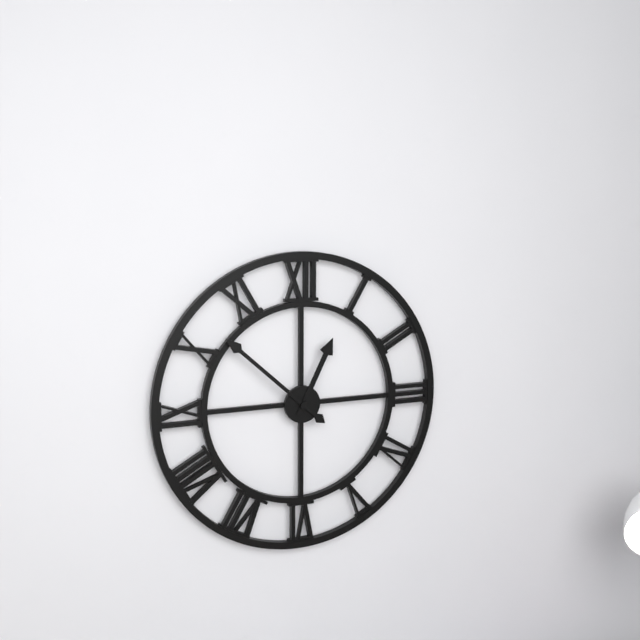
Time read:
**12:52**
